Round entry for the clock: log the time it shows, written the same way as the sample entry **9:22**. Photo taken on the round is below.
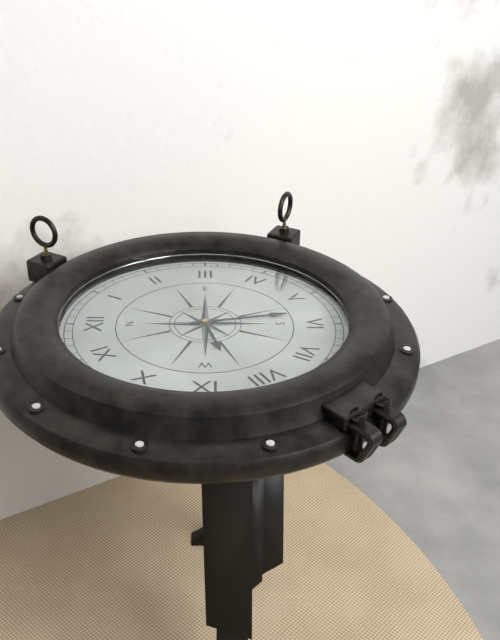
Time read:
**8:28**
